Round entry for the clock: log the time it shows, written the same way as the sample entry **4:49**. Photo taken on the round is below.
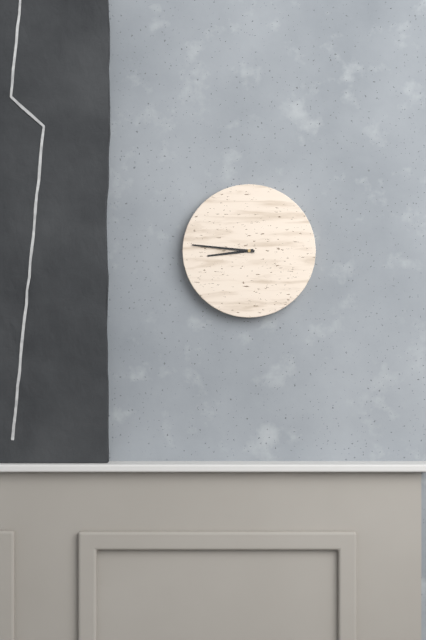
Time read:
**8:46**
